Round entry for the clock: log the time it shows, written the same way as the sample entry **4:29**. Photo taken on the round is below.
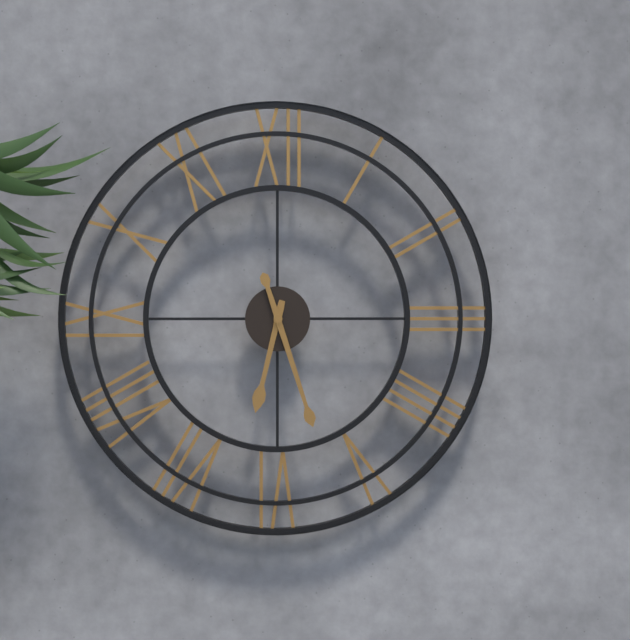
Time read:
**6:27**
